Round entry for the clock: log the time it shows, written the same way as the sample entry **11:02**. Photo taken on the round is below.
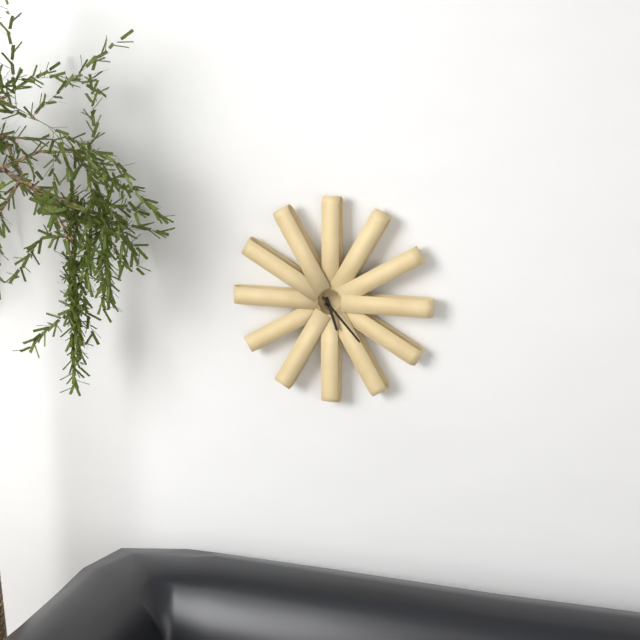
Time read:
**5:23**
